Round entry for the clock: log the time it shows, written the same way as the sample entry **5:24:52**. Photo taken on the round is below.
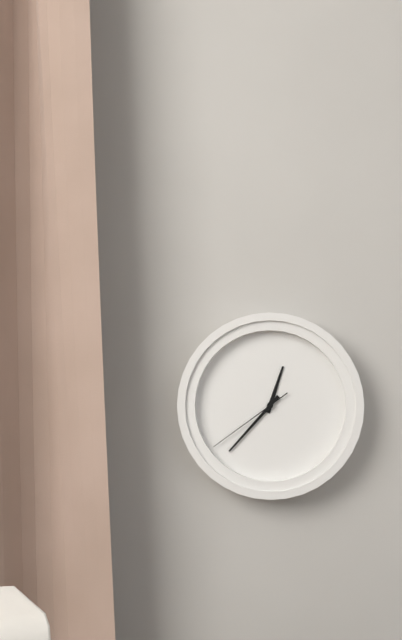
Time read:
**12:37:39**
